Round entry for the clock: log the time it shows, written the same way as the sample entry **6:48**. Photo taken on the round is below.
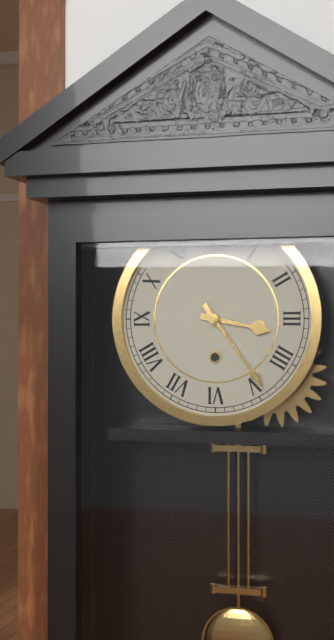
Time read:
**3:24**
